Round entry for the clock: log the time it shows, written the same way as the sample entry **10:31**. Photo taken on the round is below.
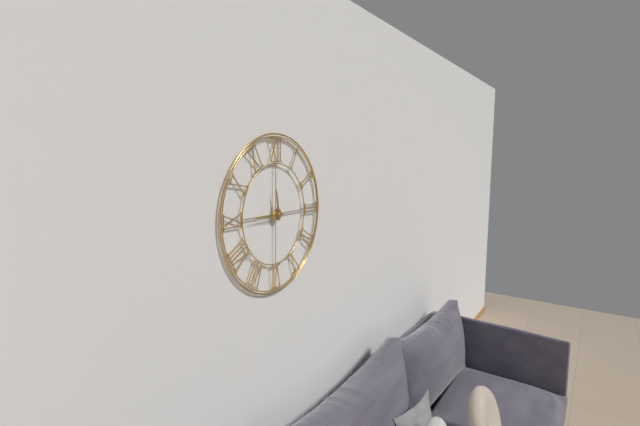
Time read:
**11:45**
